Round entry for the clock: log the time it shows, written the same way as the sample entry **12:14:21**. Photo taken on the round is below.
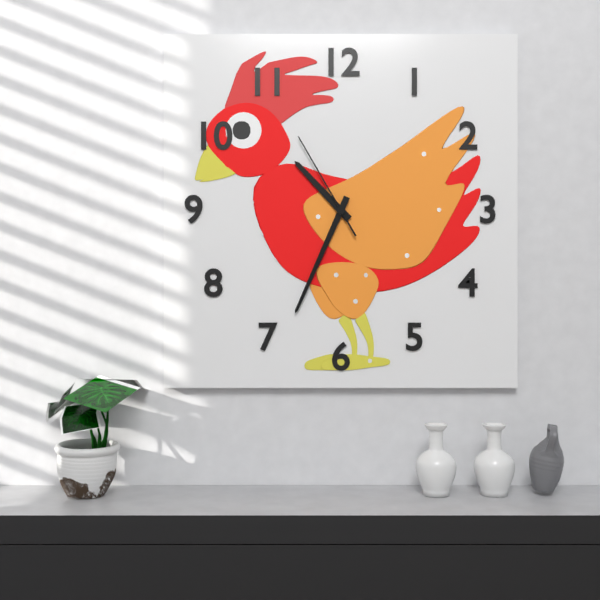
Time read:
**10:34:55**
